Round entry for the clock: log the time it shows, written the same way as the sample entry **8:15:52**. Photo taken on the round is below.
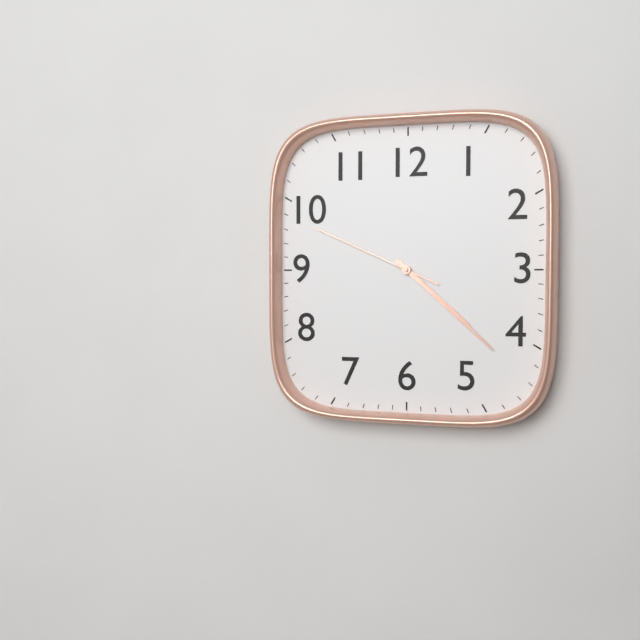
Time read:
**4:22:49**
